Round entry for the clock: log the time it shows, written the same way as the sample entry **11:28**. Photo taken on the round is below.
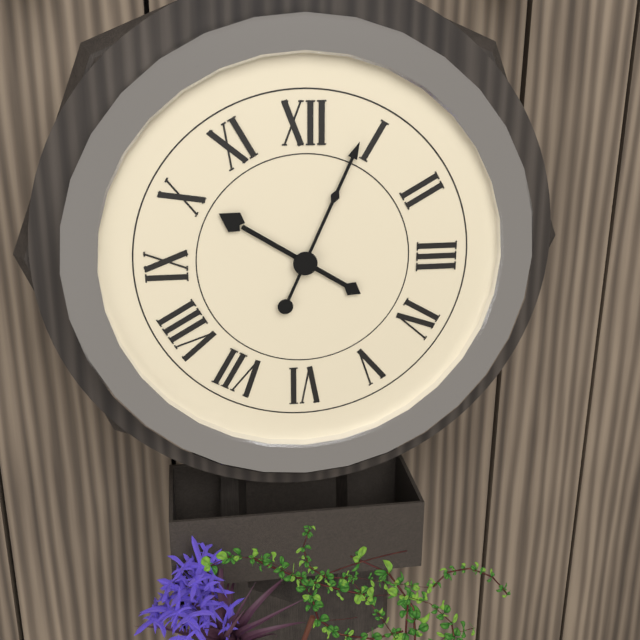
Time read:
**10:04**
